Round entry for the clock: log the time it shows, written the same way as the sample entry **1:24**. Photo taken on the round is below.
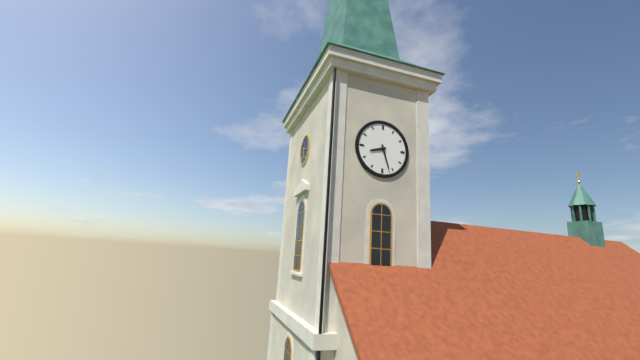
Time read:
**8:27**
